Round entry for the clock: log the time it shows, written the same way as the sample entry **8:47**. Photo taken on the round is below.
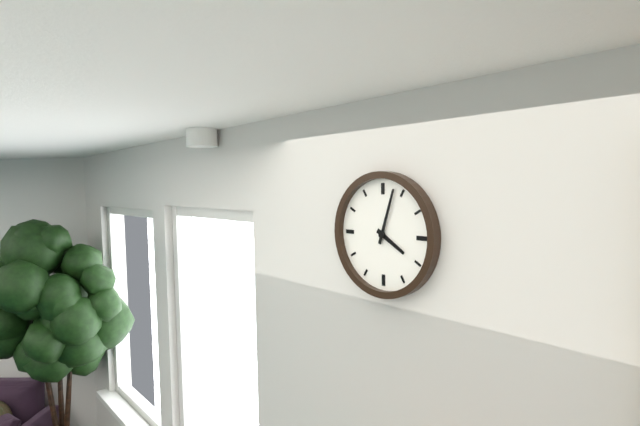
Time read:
**4:03**
